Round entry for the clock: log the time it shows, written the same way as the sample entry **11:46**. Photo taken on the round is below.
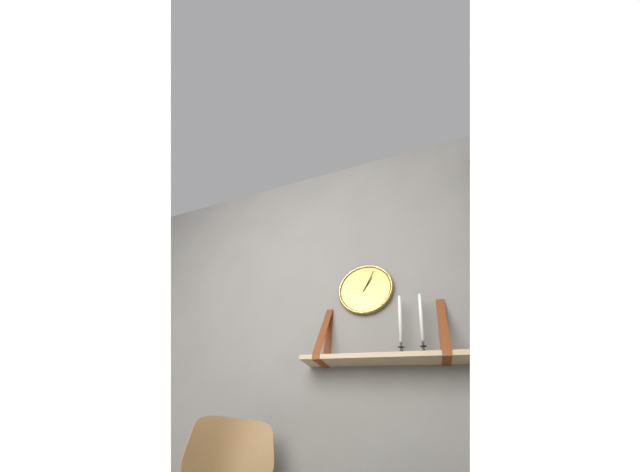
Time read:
**1:04**
